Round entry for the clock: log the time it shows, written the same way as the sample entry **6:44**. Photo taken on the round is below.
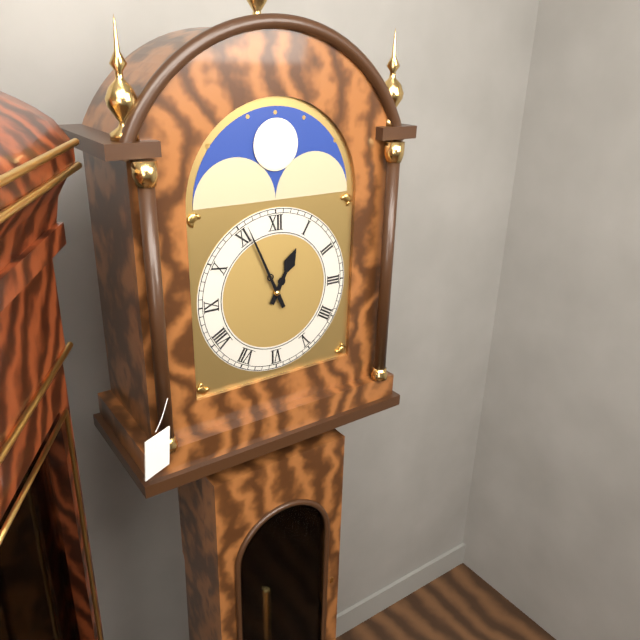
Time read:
**12:56**
